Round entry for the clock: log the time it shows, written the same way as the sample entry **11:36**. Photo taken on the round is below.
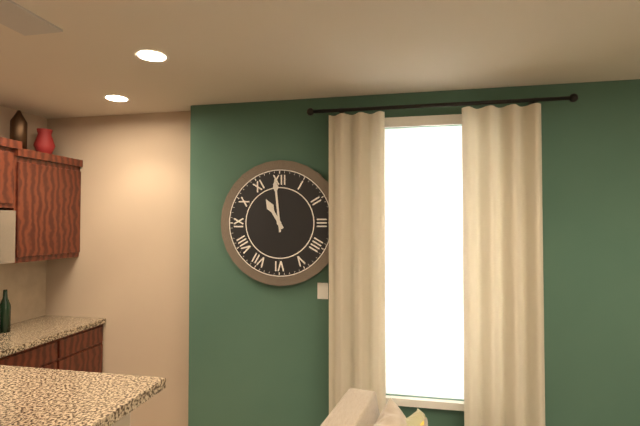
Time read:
**10:59**
